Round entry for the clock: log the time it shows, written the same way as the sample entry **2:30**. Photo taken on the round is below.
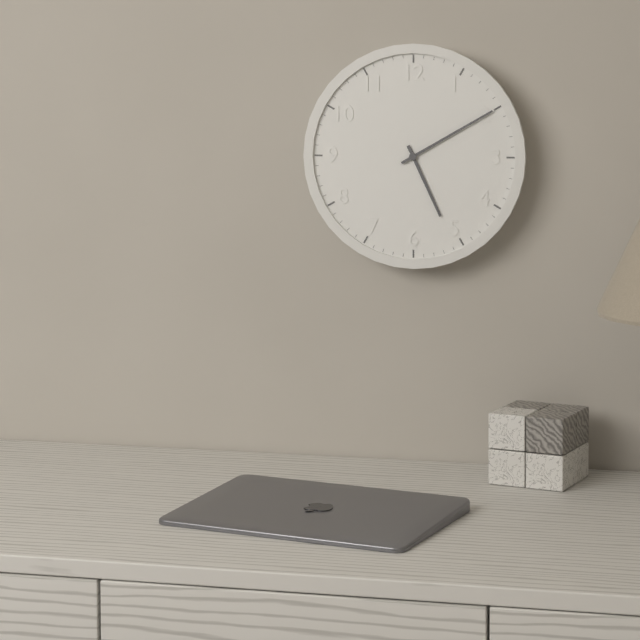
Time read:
**5:10**
